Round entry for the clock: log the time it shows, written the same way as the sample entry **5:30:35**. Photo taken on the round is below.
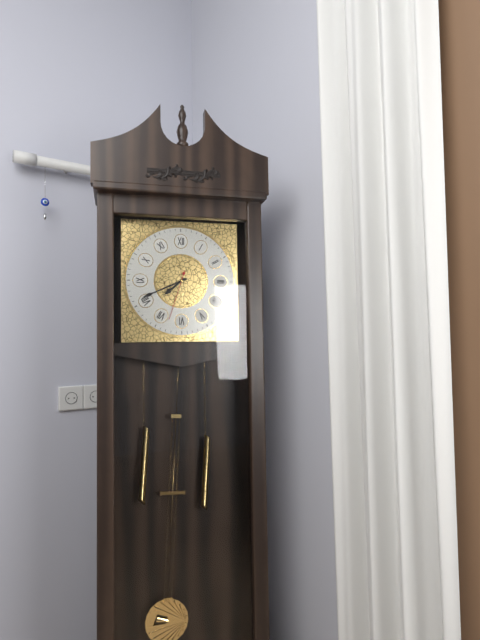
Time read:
**7:41:33**
